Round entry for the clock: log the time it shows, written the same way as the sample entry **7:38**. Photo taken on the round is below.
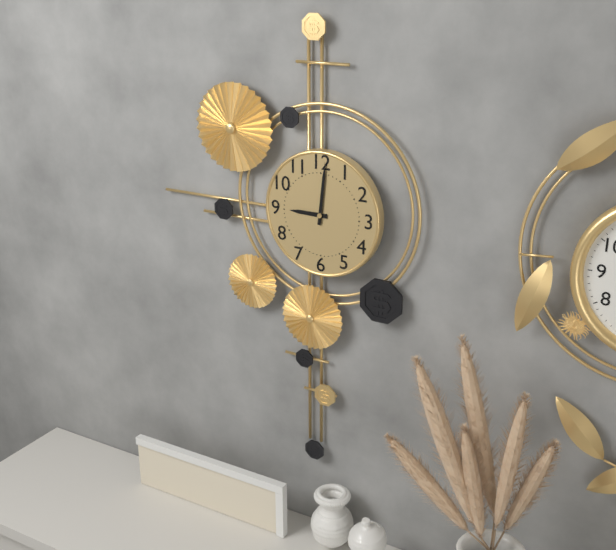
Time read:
**9:01**
